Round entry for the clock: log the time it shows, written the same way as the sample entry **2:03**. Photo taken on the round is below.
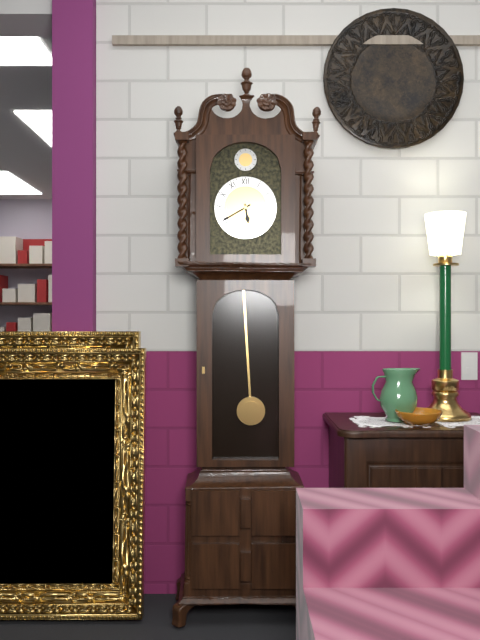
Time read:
**5:40**
